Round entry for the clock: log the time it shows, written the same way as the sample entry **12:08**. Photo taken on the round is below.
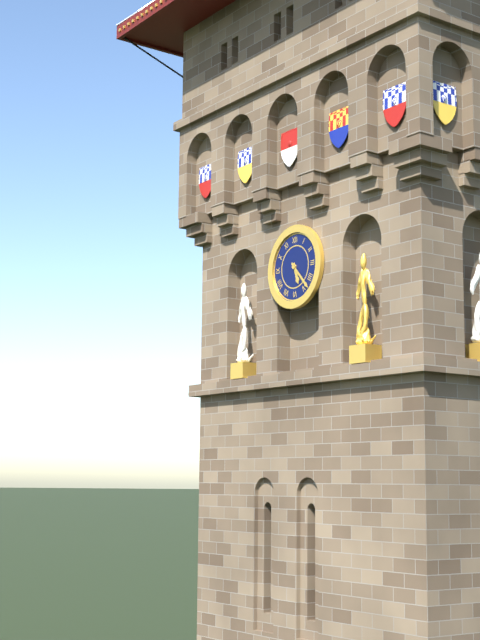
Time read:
**5:23**
